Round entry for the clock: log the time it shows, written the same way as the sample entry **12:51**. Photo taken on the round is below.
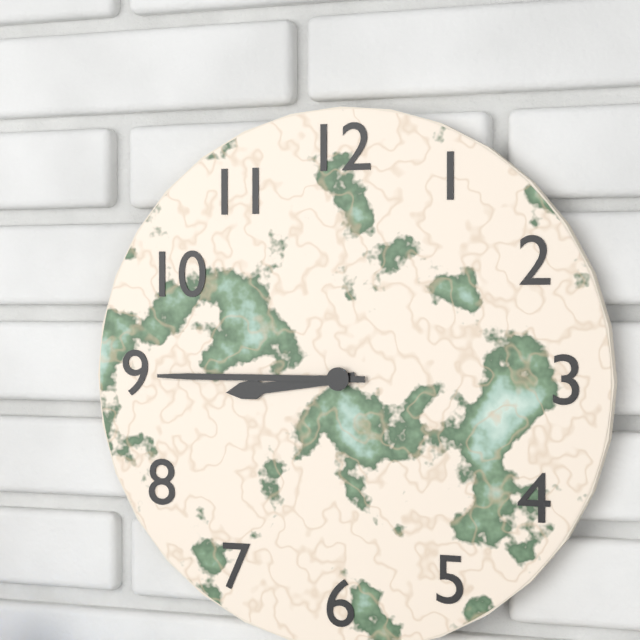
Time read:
**8:45**
